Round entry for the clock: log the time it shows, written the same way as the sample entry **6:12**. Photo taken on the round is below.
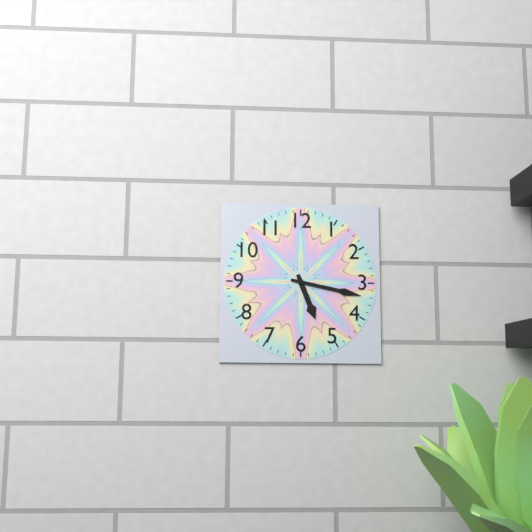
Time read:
**5:17**
